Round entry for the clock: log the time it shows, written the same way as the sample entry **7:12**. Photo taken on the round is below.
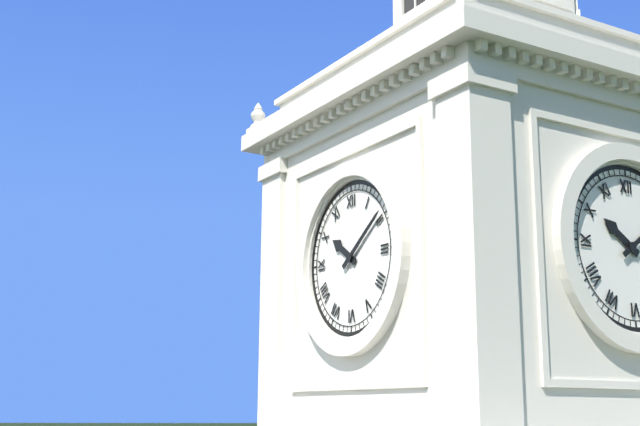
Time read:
**10:09**
